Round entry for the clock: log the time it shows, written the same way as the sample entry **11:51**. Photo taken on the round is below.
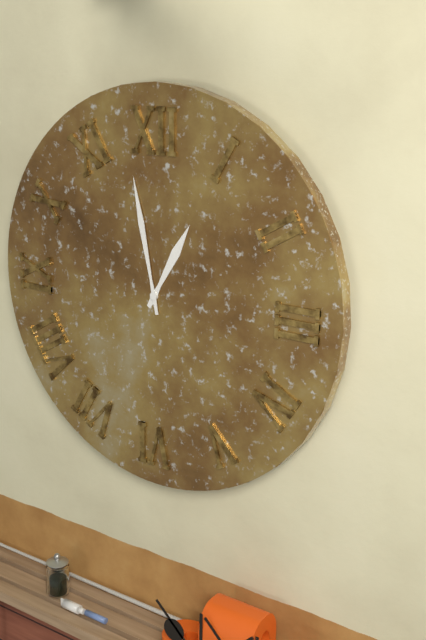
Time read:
**12:58**
